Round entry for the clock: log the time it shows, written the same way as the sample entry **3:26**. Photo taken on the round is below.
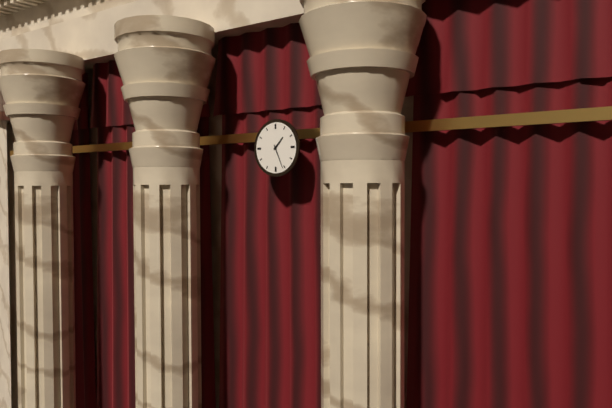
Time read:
**1:26**
